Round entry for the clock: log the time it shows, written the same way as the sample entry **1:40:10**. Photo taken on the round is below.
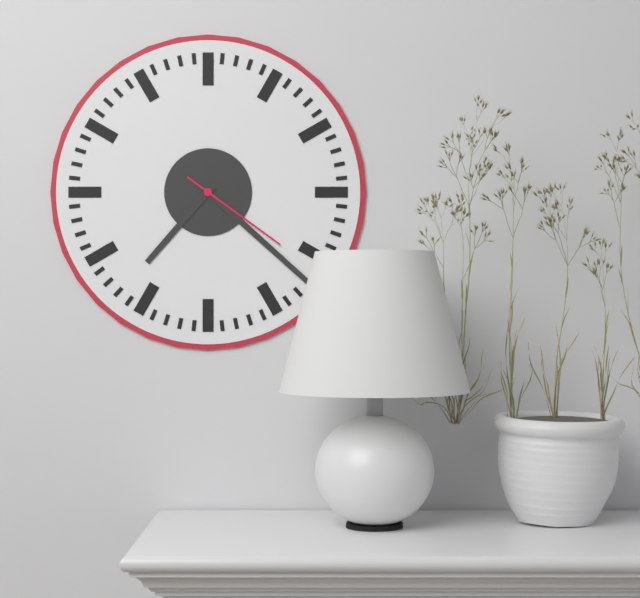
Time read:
**7:22:21**
